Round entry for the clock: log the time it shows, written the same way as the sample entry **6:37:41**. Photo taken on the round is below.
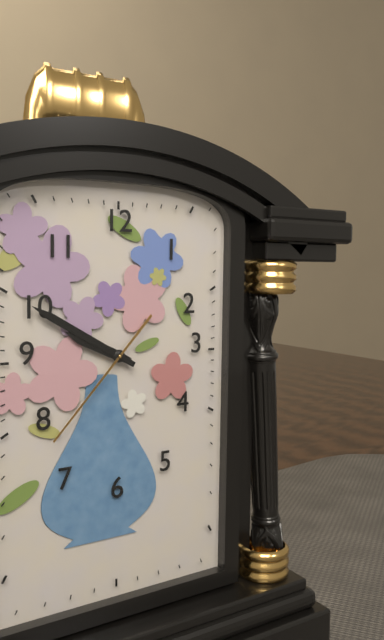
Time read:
**9:50:37**
